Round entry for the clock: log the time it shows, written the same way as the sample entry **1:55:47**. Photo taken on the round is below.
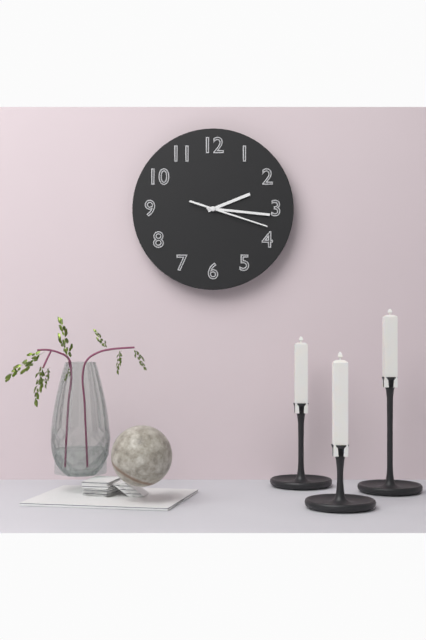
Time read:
**2:16:18**
